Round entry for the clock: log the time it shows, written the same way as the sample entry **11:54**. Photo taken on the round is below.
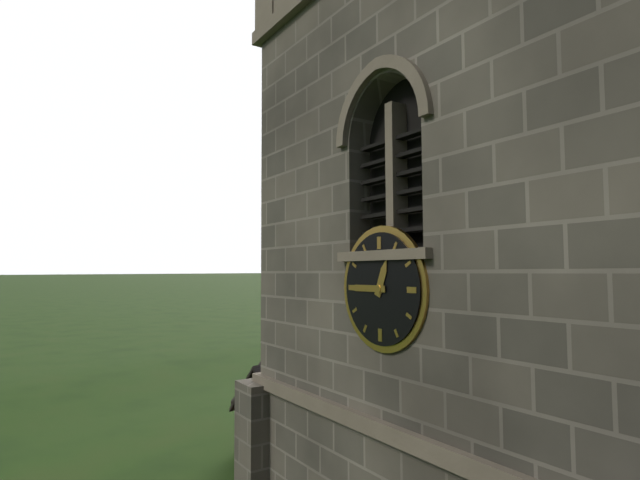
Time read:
**12:45**
